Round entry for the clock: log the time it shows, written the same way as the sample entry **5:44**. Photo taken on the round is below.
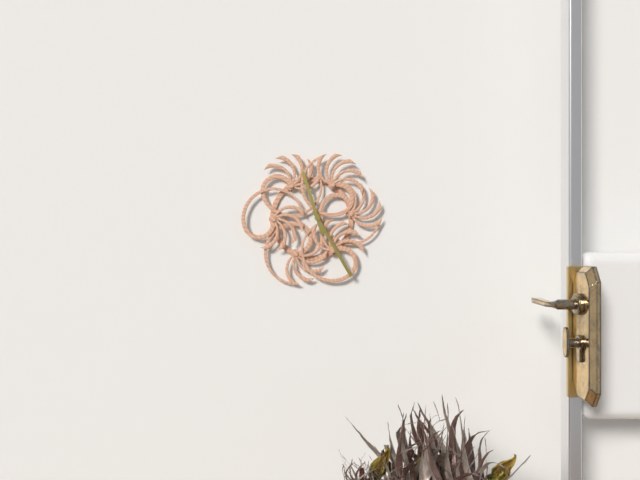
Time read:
**11:25**
